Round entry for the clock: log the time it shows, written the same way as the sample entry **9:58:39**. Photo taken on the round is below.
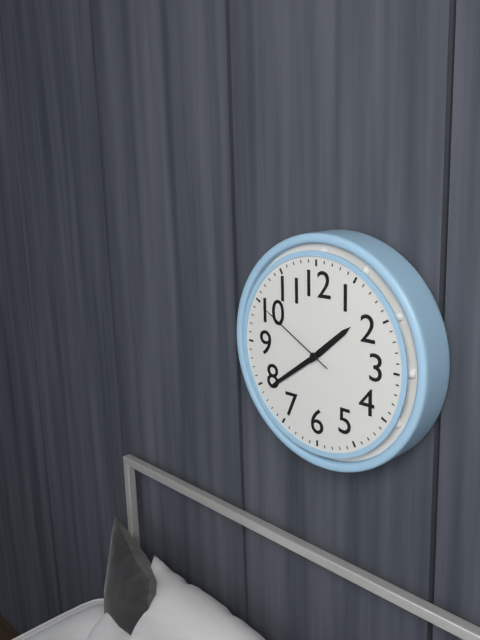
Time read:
**1:39:50**
